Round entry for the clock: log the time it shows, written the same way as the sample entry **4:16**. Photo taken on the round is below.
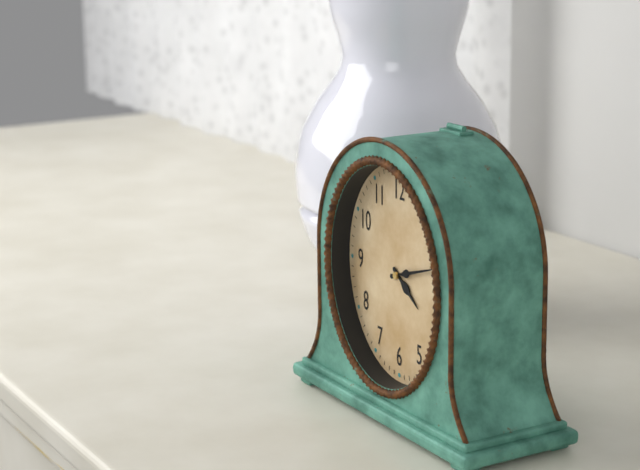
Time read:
**4:12**
